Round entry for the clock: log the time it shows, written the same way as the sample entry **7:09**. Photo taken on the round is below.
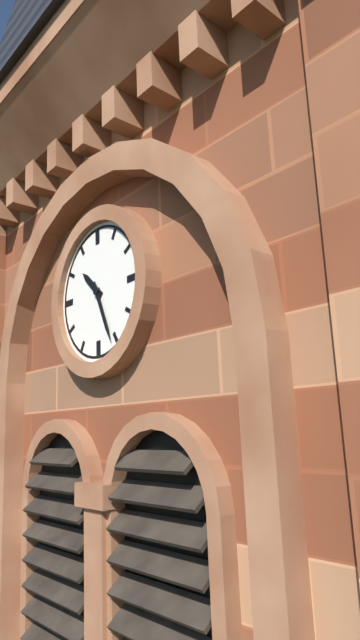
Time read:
**10:26**
